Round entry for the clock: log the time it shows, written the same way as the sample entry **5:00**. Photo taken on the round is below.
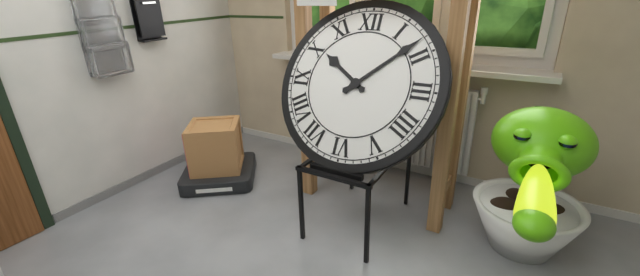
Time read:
**10:08**
